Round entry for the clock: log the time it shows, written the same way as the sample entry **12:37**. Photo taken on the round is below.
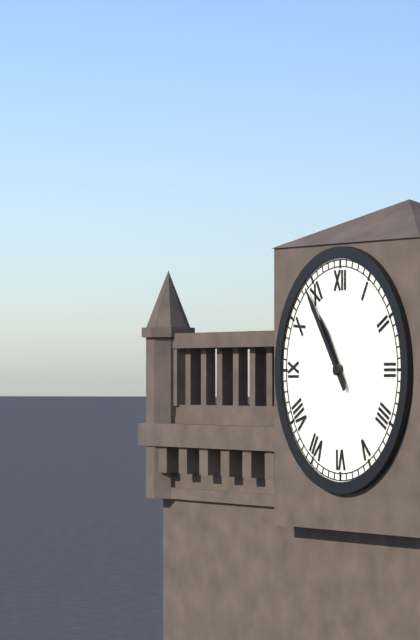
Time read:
**10:54**
